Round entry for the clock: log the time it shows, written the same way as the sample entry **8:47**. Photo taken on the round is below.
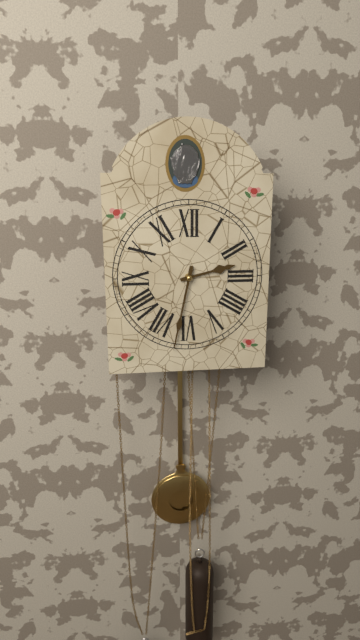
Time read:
**2:32**
